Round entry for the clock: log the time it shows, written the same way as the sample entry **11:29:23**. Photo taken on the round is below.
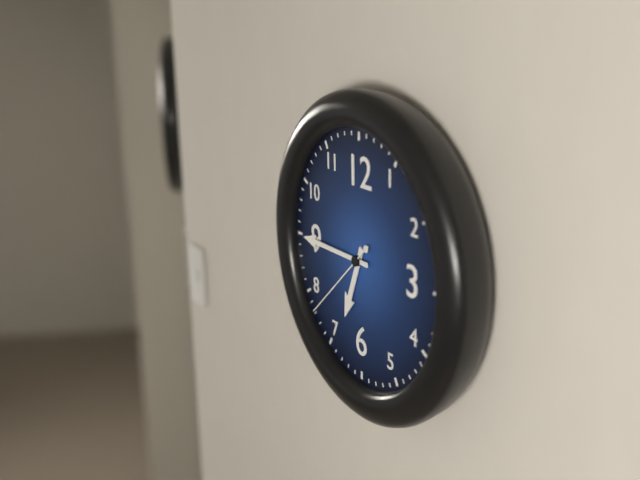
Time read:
**6:45:38**
